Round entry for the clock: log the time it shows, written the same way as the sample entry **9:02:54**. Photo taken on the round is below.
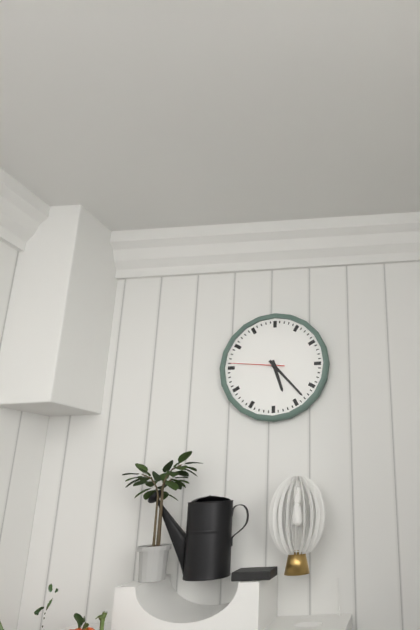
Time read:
**5:23:46**
